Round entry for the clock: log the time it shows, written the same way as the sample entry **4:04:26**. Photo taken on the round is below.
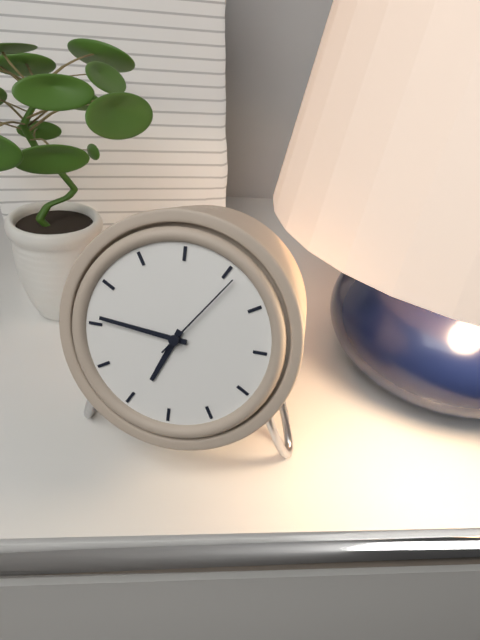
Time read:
**6:46:06**
